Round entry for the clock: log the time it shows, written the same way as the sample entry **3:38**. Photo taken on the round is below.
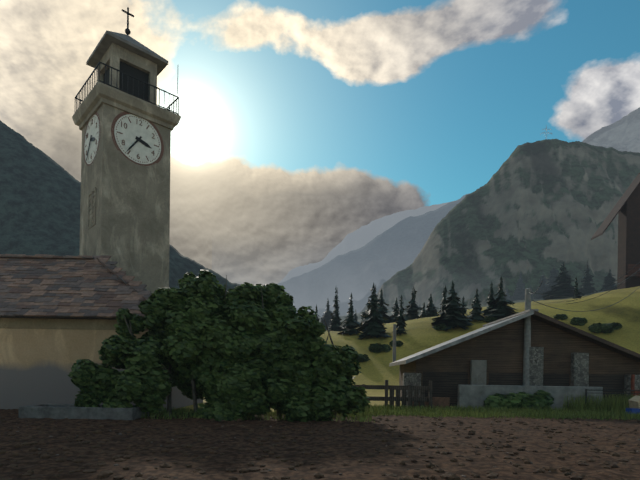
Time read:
**3:36**
